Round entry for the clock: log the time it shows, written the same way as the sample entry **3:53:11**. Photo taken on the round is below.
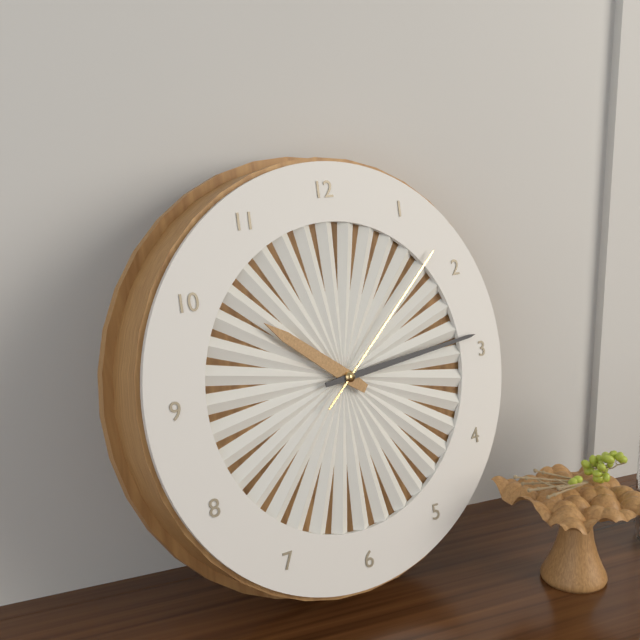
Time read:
**10:14:08**
